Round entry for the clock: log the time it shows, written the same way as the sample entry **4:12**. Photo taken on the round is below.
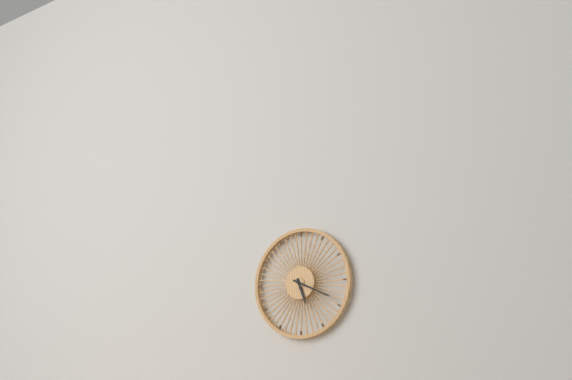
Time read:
**5:19**
